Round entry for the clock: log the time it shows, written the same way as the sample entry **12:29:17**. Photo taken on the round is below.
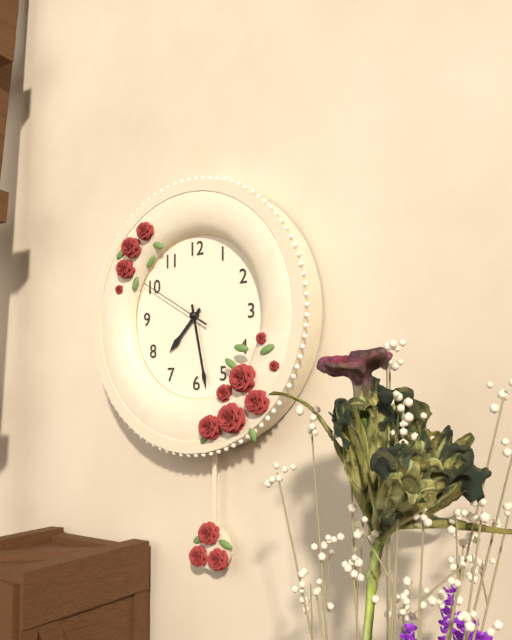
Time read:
**7:28:50**
